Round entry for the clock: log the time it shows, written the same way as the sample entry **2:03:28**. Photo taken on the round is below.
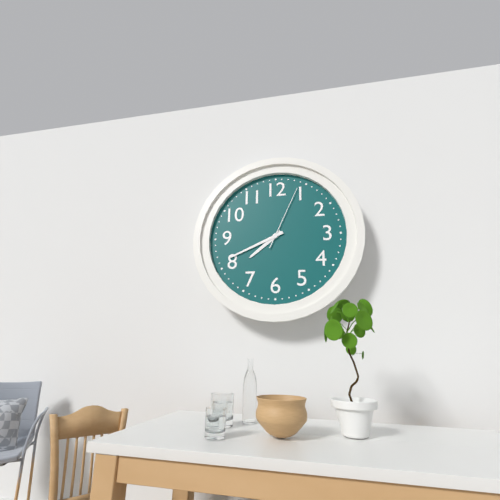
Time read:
**7:41:04**
